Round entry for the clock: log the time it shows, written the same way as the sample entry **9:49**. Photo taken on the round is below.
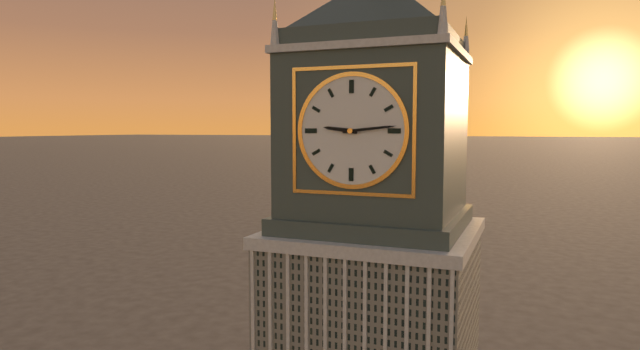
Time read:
**9:14**
